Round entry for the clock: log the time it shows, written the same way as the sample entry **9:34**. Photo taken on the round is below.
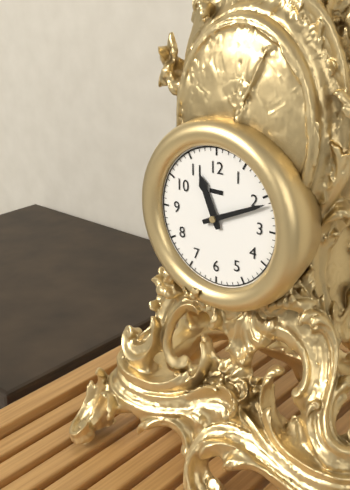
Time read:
**11:11**
